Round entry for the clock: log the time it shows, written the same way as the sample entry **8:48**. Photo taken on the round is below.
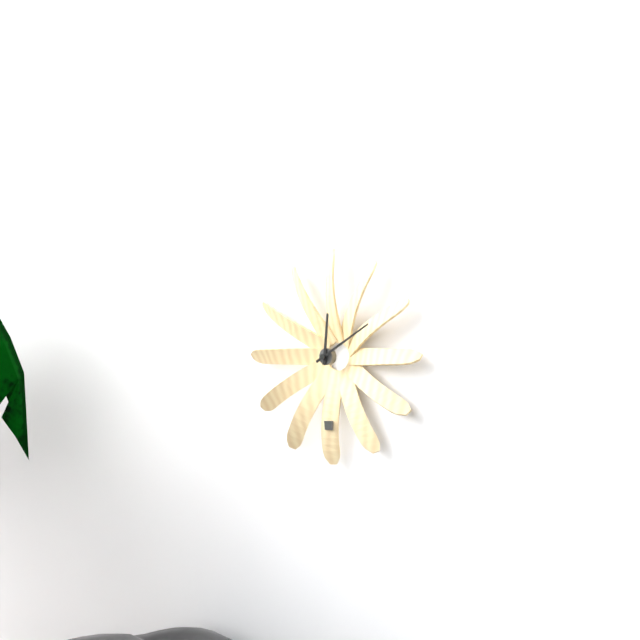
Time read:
**12:10**
